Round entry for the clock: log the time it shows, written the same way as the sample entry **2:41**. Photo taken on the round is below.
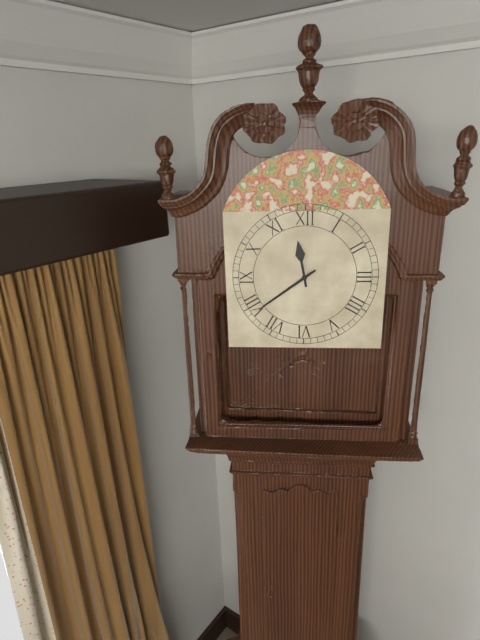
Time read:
**11:39**
